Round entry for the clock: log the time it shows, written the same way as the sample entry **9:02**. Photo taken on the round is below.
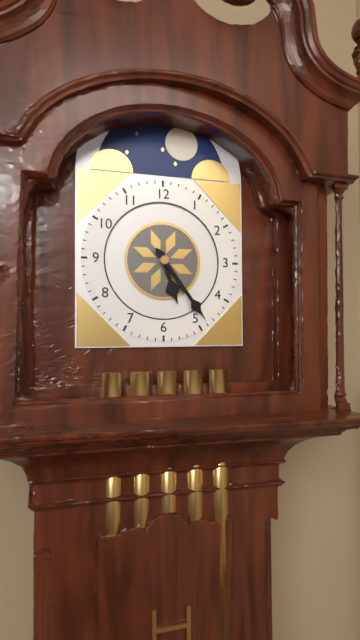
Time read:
**5:24**
